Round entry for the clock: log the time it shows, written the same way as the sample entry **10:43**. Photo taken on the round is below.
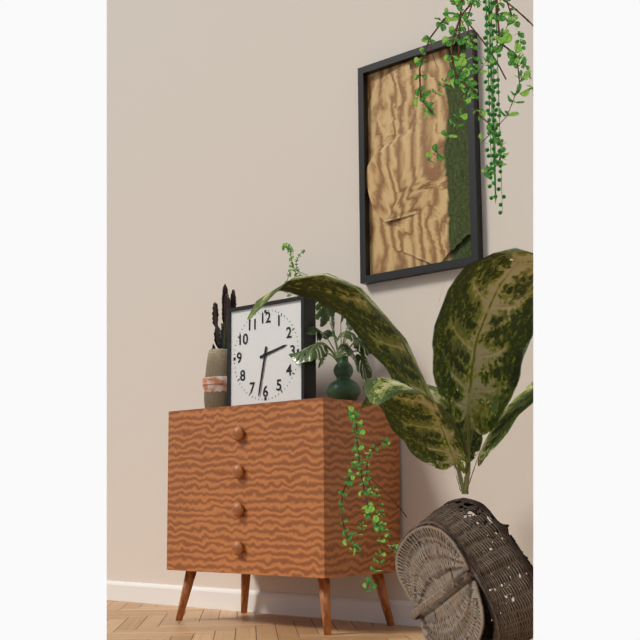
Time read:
**2:32**
